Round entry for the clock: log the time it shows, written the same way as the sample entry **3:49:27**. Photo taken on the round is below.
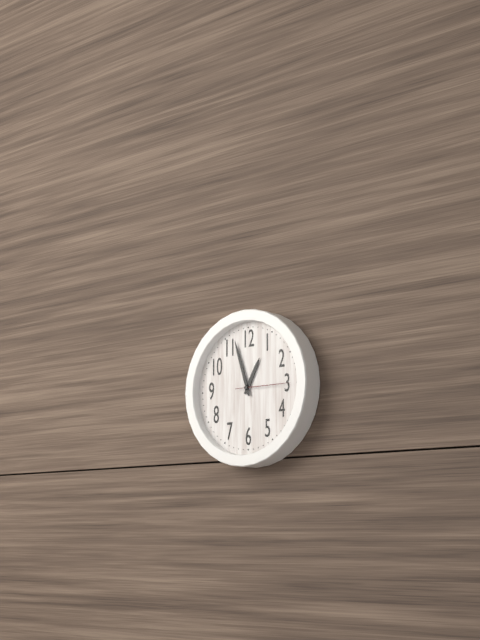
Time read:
**12:57:15**
